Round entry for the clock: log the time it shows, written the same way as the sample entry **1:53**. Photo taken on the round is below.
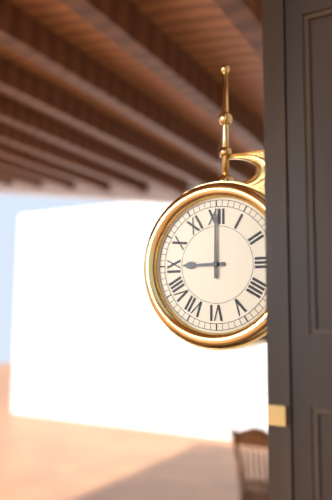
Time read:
**9:00**
